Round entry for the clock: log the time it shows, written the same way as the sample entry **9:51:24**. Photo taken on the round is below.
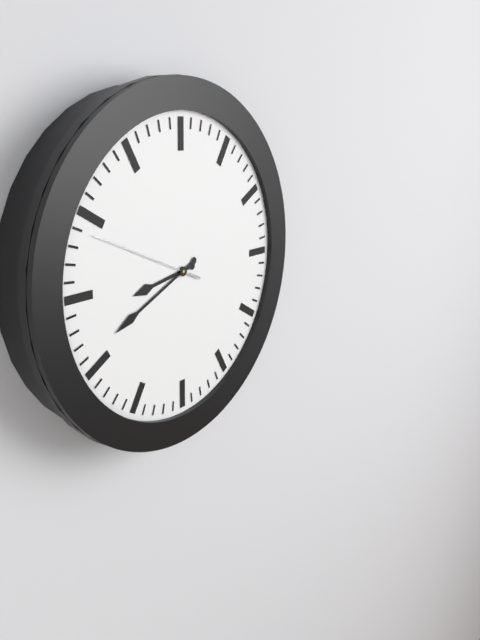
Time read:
**8:41:49**
